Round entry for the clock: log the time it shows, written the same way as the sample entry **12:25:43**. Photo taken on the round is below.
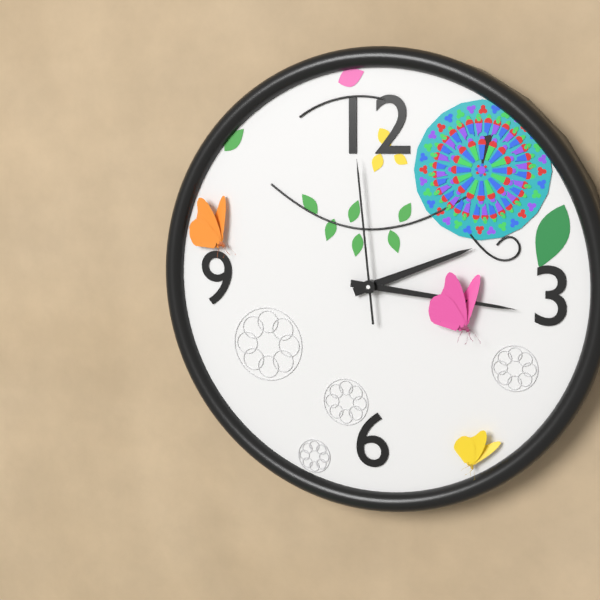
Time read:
**2:16:59**
